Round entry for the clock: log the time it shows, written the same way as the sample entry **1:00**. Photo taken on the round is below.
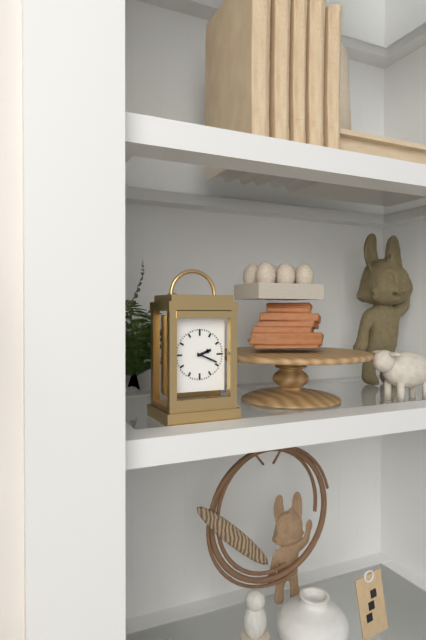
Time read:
**2:19**
